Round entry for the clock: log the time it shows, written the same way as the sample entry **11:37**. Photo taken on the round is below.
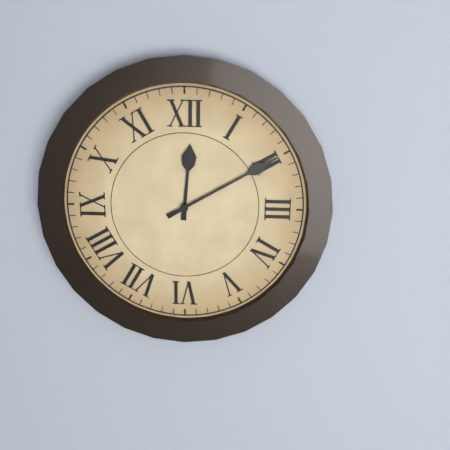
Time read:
**12:10**
